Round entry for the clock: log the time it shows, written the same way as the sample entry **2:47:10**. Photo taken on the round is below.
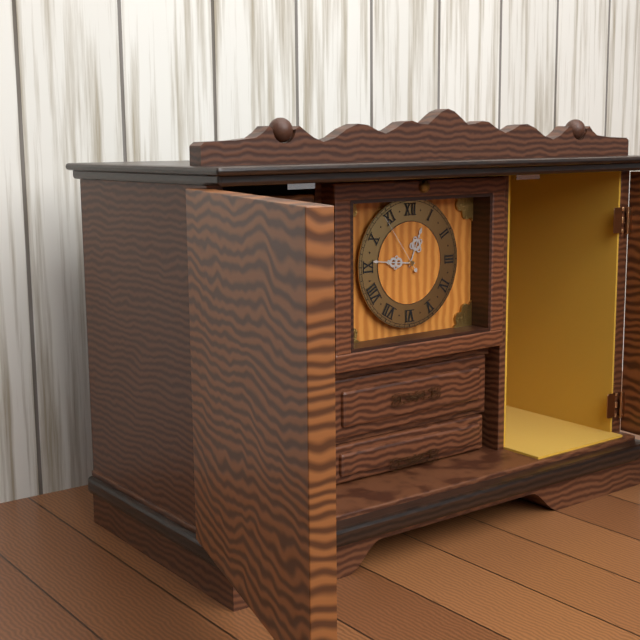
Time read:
**12:46:54**
